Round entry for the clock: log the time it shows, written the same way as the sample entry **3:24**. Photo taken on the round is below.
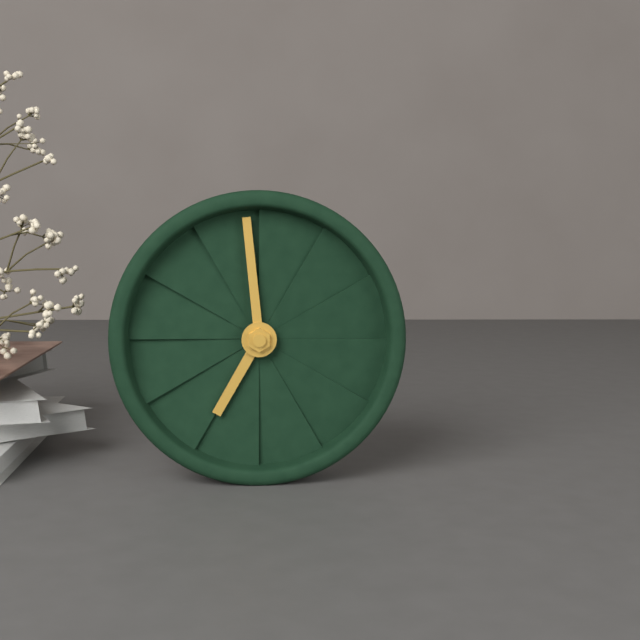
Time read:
**6:59**
